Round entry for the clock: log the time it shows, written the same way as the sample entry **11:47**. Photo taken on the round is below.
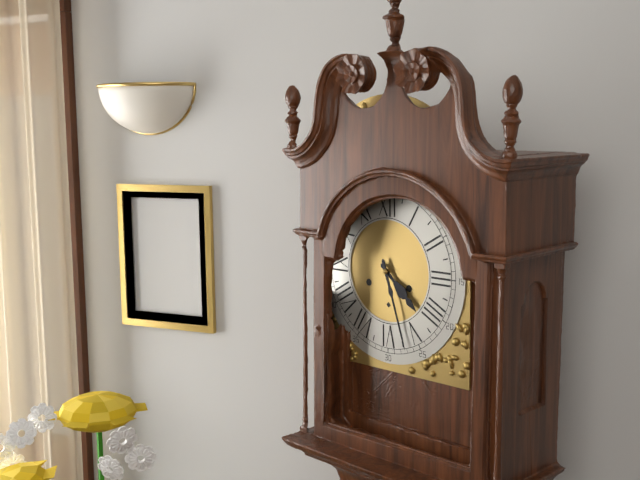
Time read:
**4:27**
